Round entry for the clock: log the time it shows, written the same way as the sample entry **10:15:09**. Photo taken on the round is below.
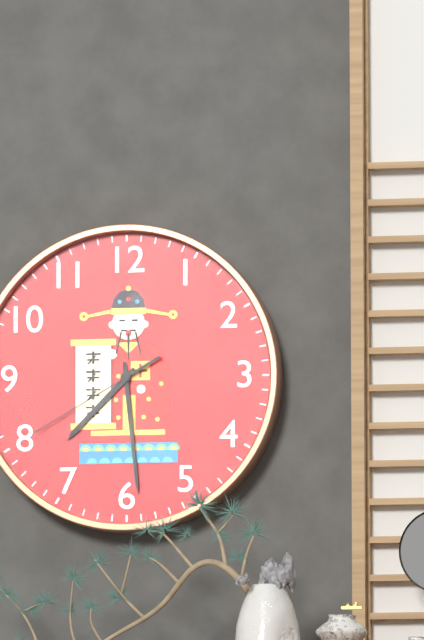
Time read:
**7:29:40**
